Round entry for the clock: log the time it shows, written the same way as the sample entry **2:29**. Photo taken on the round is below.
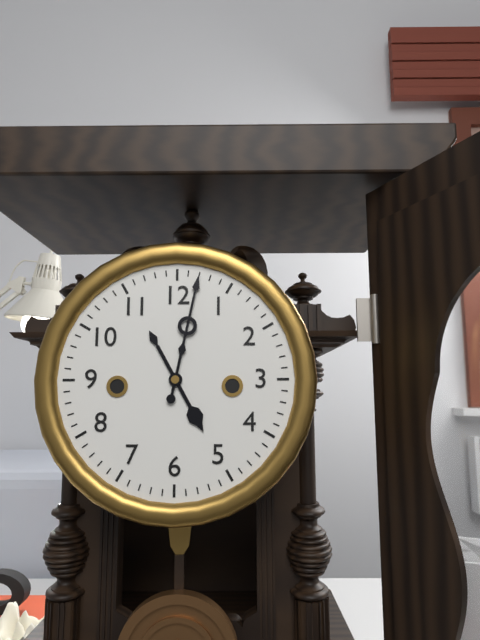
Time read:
**5:02**
